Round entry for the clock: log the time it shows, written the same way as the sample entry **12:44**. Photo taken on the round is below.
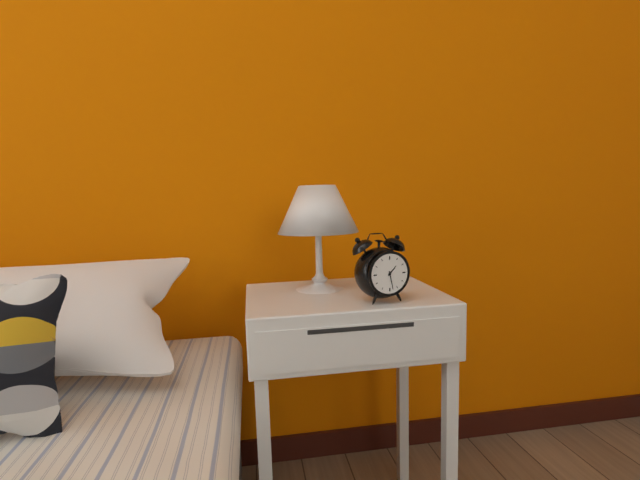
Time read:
**1:28**
